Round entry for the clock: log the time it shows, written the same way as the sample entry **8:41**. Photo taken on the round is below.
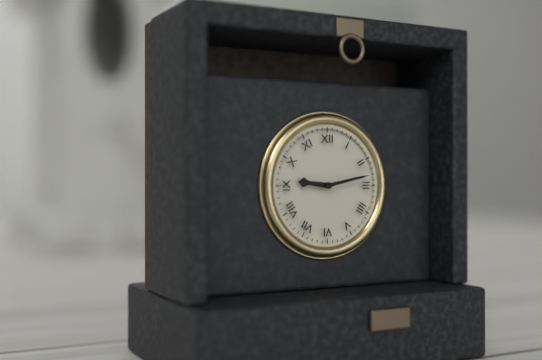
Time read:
**9:13**
